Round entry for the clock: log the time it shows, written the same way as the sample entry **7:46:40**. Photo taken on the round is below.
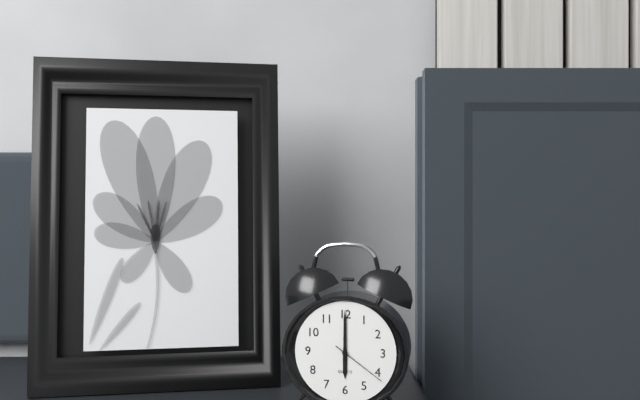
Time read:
**6:00:21**
